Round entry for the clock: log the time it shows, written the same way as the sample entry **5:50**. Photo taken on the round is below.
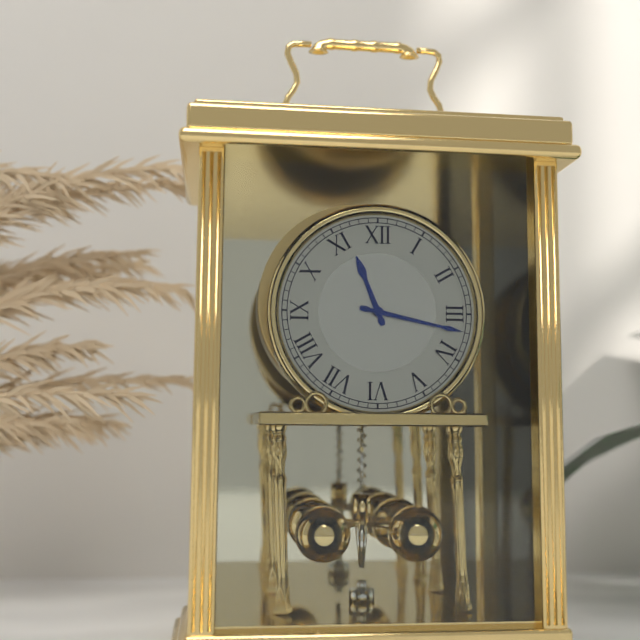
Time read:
**11:17**
